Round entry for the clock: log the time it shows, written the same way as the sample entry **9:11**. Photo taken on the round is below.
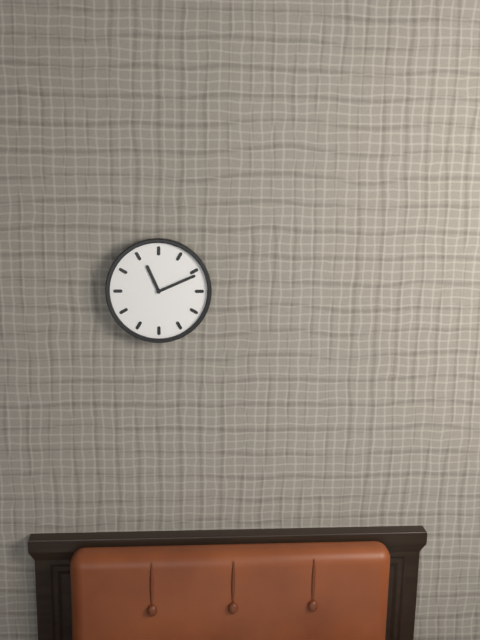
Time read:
**11:11**
